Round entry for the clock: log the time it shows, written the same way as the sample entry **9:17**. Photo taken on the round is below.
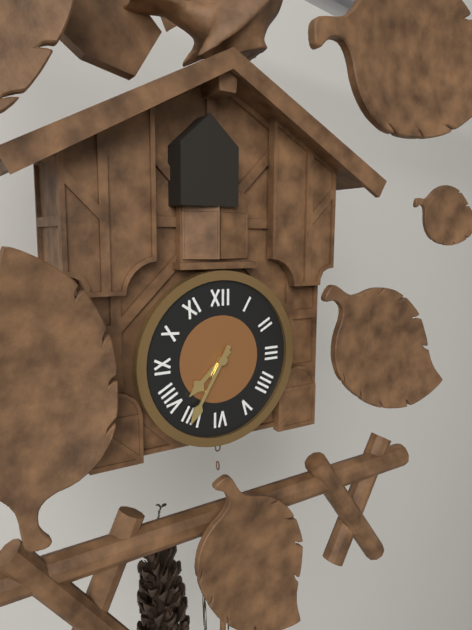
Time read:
**7:35**
